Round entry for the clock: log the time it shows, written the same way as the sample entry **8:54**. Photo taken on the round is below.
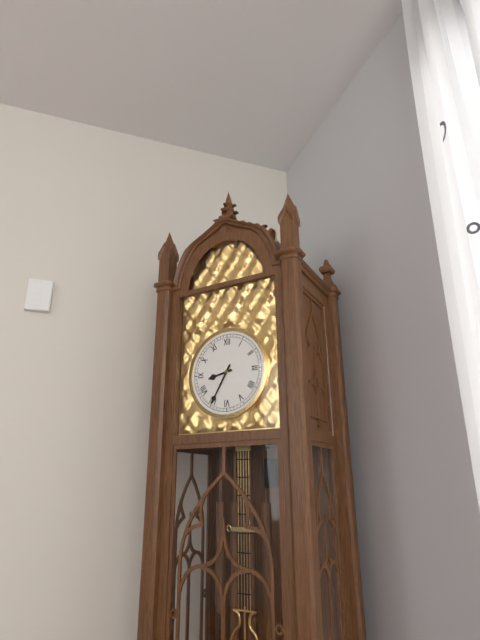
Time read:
**8:35**
